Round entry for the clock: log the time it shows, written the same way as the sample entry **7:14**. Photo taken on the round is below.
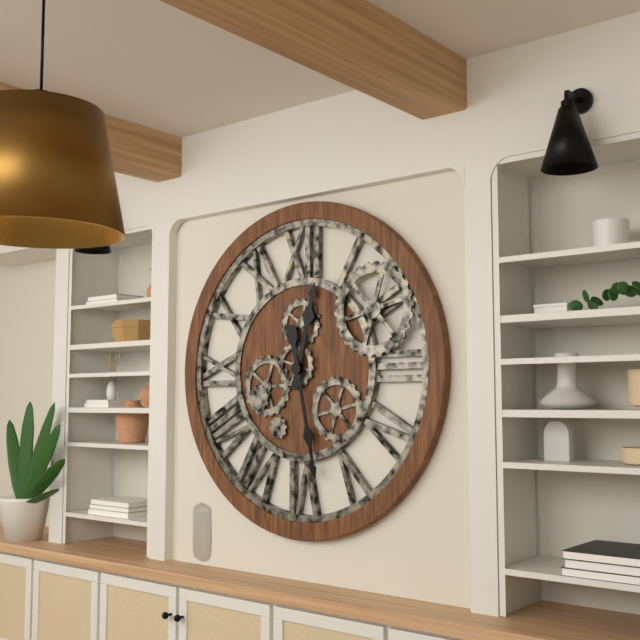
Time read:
**12:28**
